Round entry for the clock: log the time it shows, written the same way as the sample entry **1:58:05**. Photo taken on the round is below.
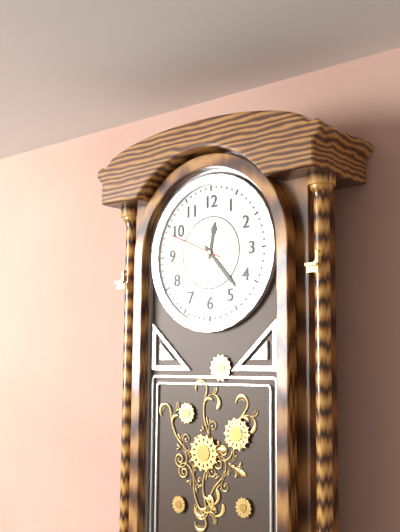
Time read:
**12:23:49**
